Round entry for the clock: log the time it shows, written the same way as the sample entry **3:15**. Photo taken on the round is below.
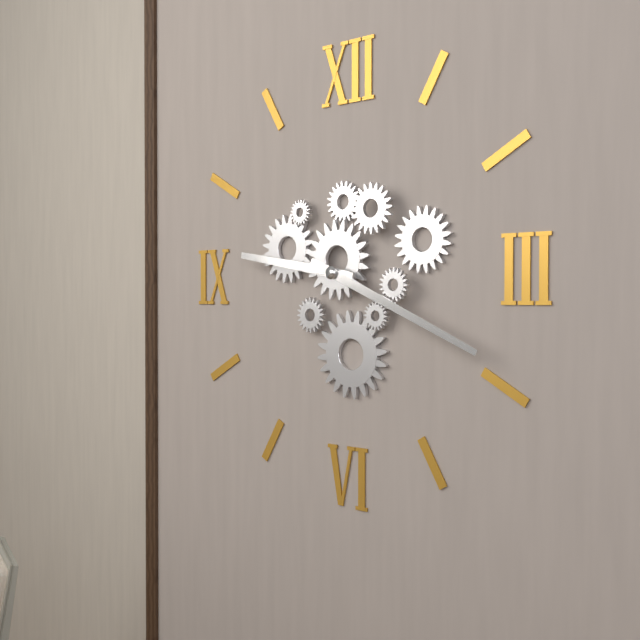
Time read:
**9:19**
